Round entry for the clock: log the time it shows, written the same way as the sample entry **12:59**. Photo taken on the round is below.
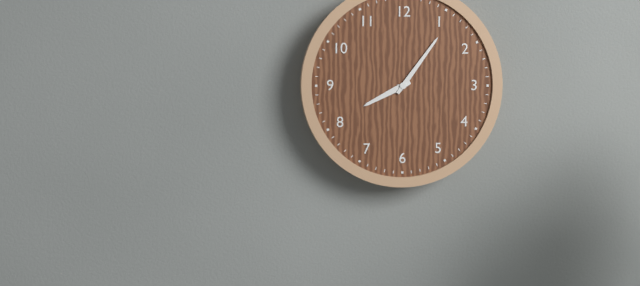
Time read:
**8:06**
